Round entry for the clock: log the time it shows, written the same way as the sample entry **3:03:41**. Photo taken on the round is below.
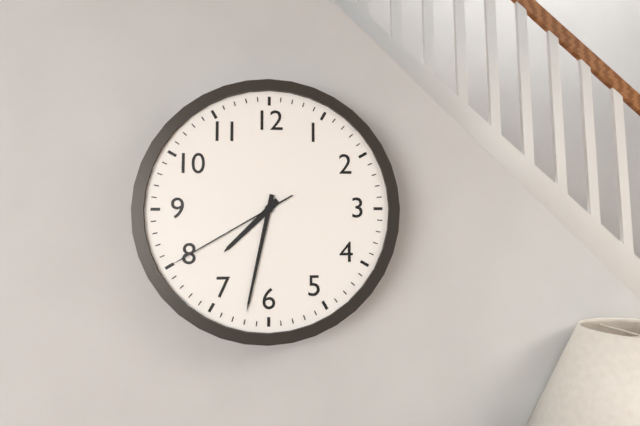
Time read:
**7:32:40**
